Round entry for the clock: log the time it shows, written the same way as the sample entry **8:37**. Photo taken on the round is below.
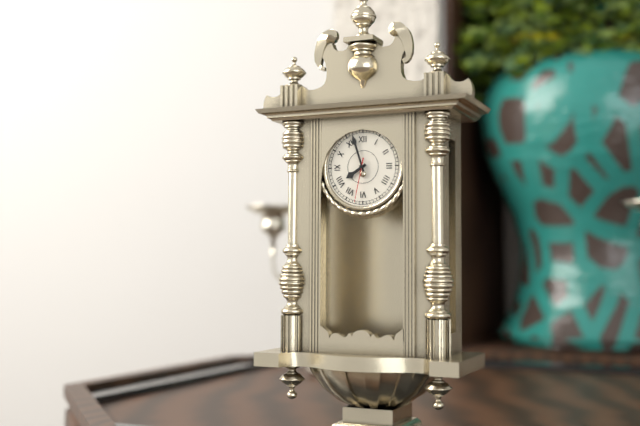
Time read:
**7:57**
